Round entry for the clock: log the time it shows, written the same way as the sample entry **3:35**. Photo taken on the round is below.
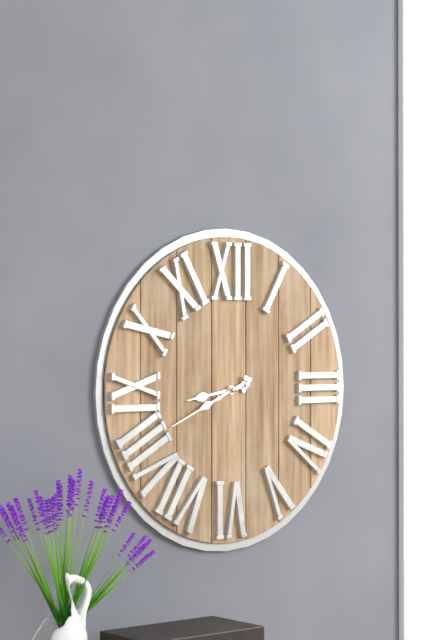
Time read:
**8:41**
